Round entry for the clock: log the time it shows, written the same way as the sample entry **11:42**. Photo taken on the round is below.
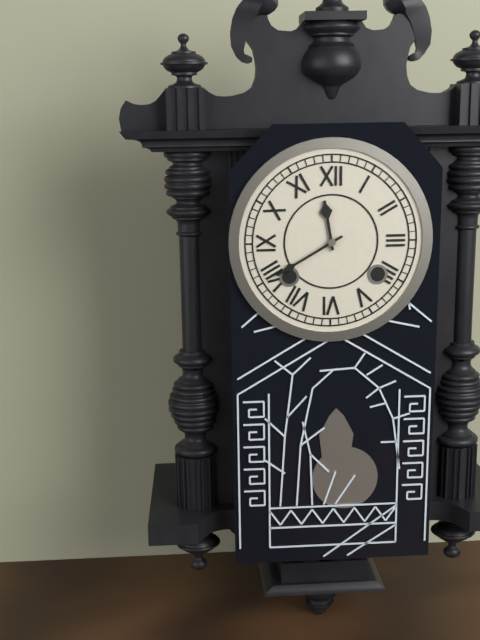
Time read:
**11:40**
